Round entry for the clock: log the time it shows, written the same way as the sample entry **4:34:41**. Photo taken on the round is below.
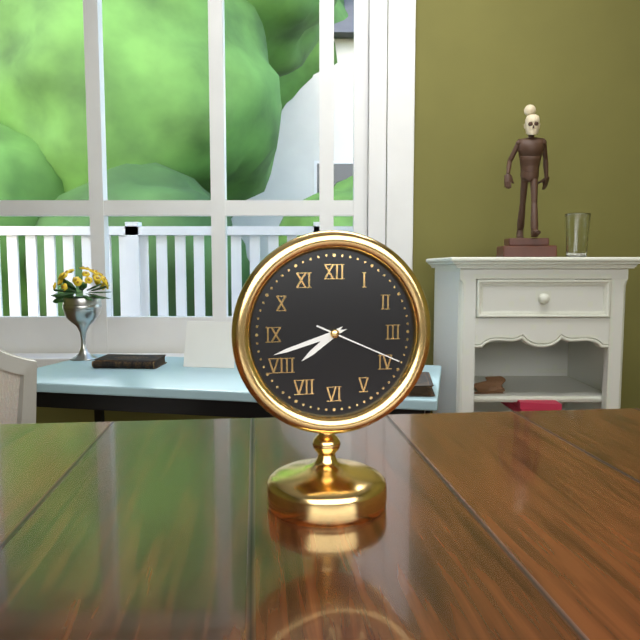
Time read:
**7:42:19**
